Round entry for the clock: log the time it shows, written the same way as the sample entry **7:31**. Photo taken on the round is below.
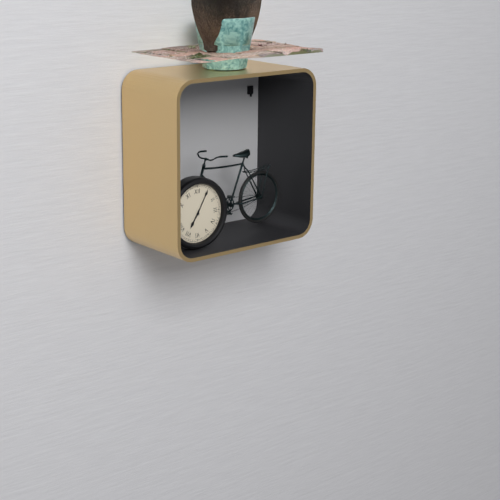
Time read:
**7:05**
